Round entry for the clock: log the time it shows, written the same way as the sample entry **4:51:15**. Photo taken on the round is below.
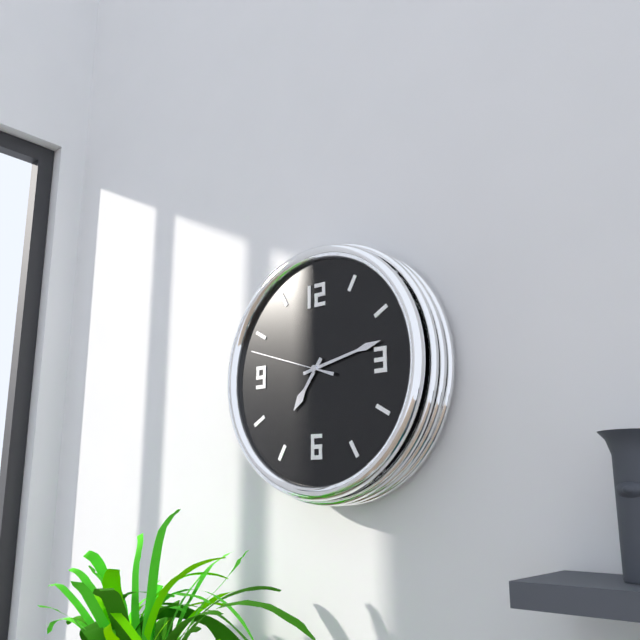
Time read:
**7:13:48**
